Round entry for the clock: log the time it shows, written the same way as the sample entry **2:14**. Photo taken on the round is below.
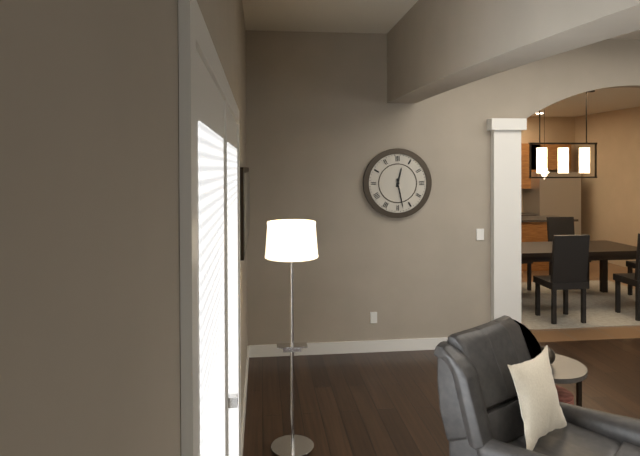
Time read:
**12:28**
